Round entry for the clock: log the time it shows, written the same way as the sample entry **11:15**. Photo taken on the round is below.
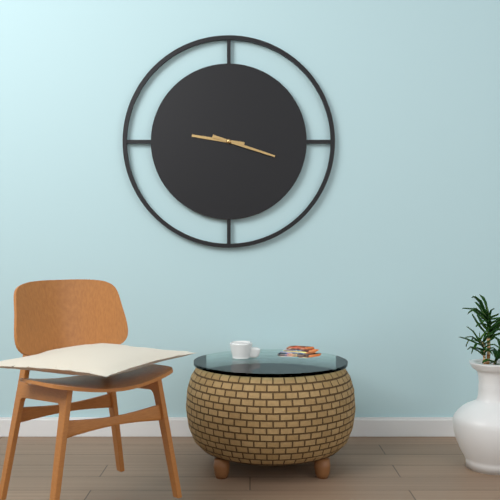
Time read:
**9:18**
